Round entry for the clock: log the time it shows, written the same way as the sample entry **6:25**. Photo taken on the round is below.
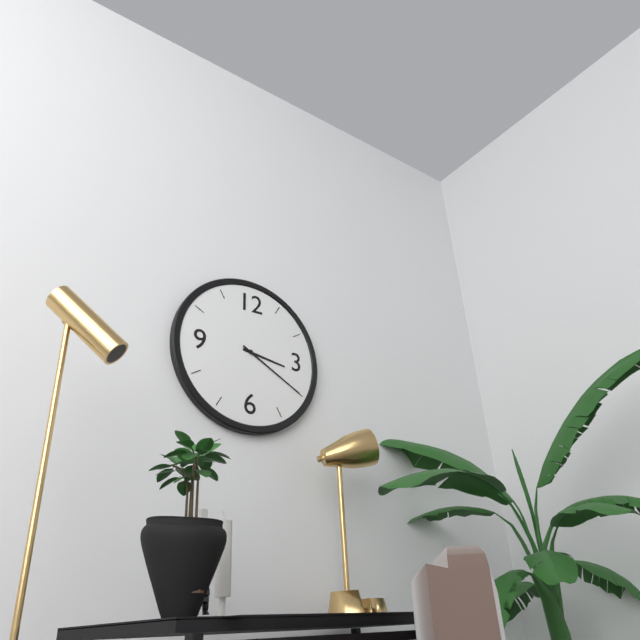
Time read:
**3:20**
